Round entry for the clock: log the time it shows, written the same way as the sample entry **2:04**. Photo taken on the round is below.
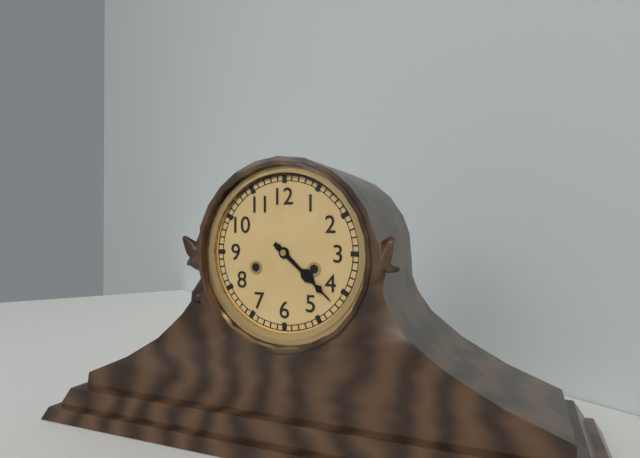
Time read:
**4:22**
